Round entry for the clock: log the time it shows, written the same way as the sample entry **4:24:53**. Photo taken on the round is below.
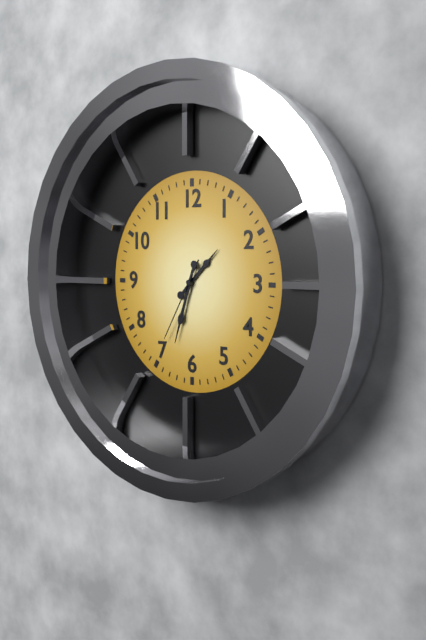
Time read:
**1:33:35**
